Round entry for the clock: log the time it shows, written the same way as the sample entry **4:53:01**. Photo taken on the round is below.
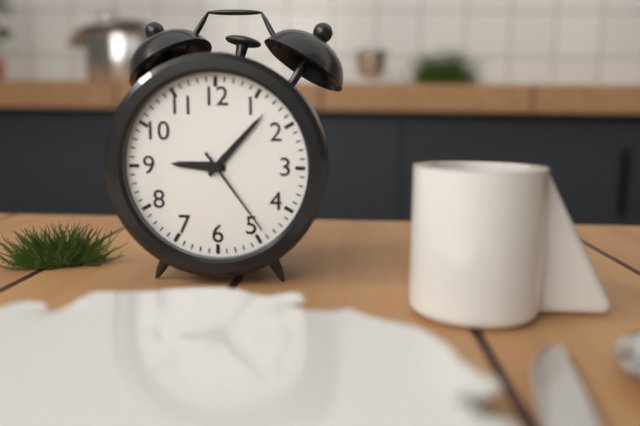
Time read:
**9:07:24**
